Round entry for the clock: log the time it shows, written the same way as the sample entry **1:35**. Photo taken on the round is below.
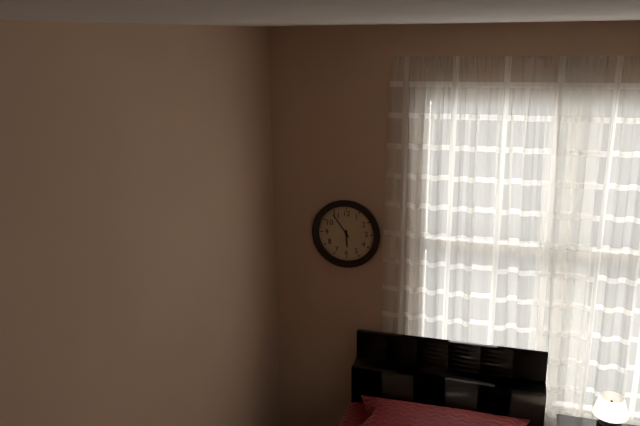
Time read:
**5:54**
